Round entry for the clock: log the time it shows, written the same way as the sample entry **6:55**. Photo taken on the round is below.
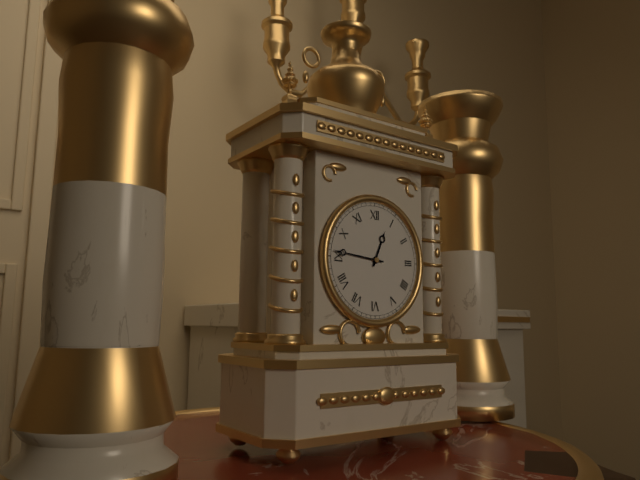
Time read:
**12:46**
